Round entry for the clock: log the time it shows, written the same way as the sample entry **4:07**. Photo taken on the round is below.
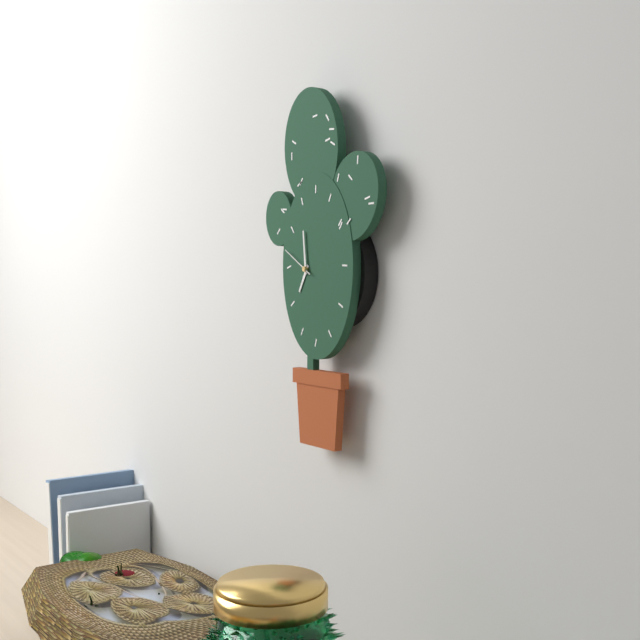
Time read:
**6:59**
